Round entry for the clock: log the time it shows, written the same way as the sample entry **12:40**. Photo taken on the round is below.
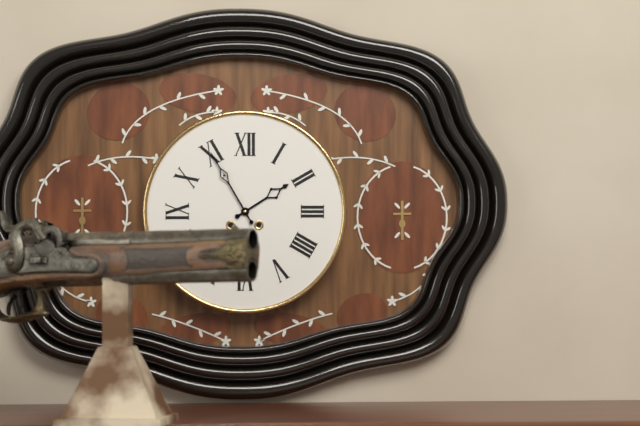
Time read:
**1:55**
